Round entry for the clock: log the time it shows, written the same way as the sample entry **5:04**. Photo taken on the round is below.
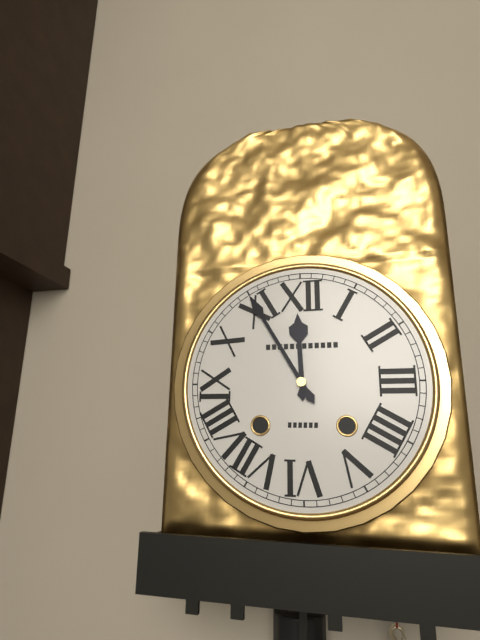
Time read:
**11:55**
